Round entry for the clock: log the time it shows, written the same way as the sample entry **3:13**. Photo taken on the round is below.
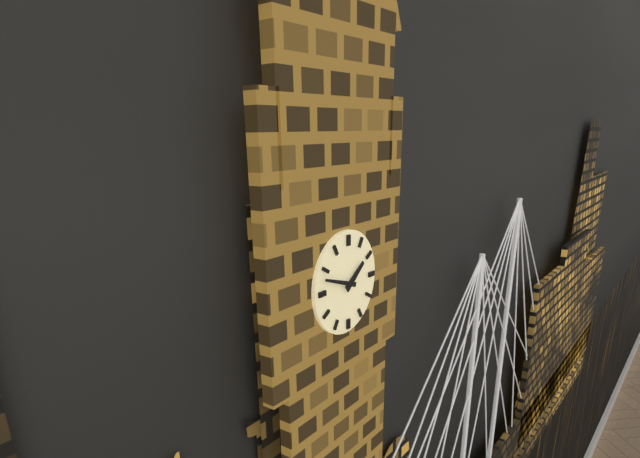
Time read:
**1:48**
